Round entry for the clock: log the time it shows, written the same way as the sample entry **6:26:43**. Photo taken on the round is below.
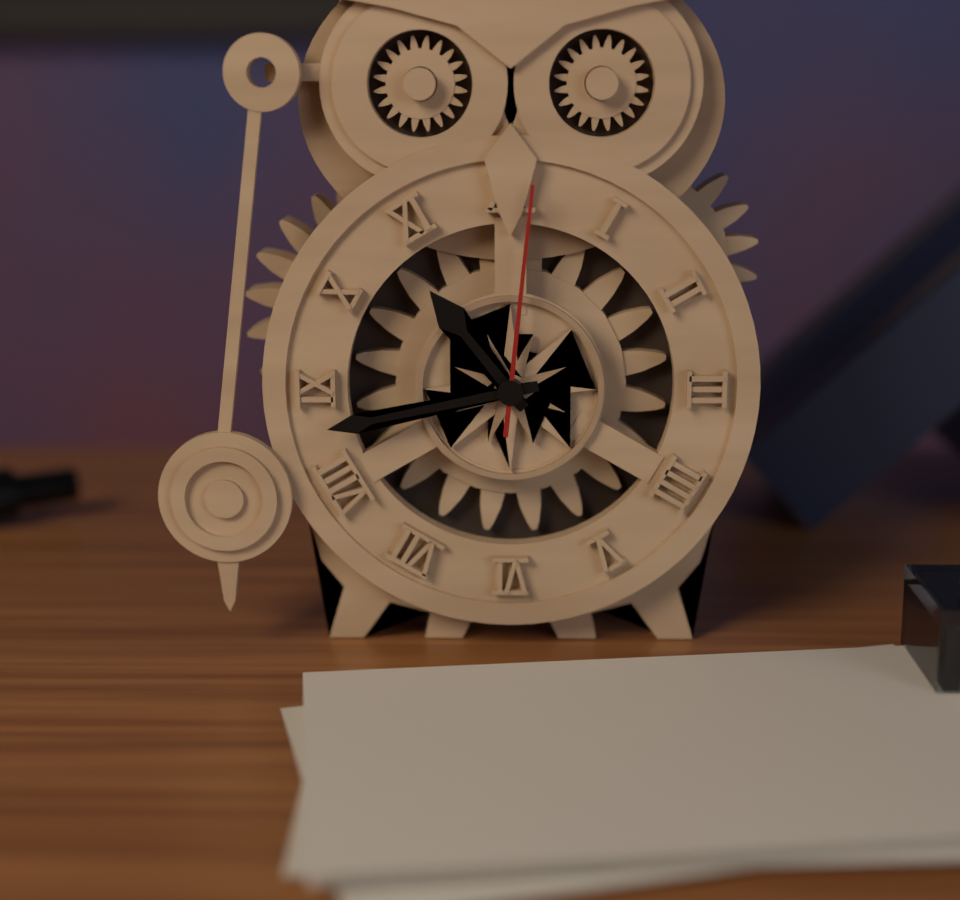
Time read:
**10:43:01**
